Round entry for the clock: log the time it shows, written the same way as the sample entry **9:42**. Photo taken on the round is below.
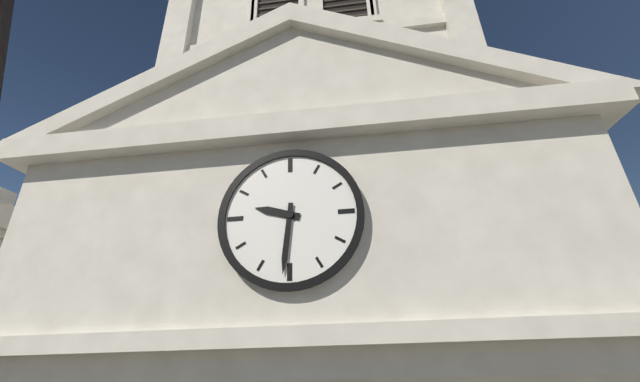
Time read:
**9:31**
